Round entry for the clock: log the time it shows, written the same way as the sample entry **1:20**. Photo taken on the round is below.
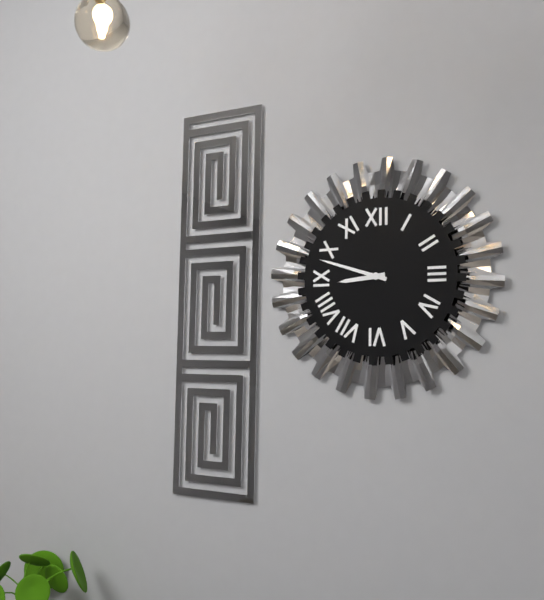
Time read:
**8:48**
